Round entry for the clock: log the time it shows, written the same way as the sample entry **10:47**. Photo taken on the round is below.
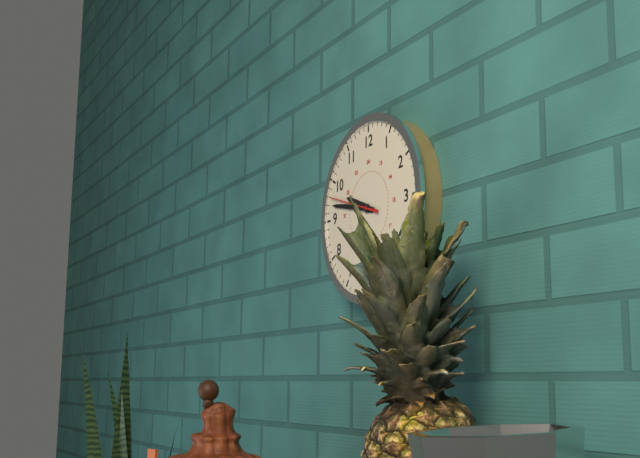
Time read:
**9:47**
